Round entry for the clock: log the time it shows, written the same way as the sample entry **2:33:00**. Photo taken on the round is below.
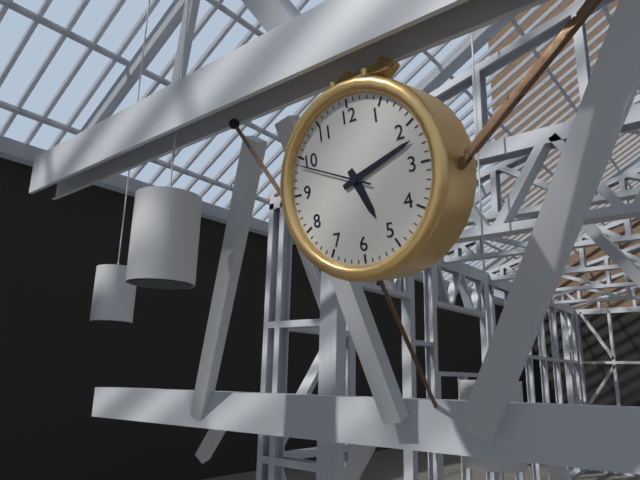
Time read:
**5:12:49**
